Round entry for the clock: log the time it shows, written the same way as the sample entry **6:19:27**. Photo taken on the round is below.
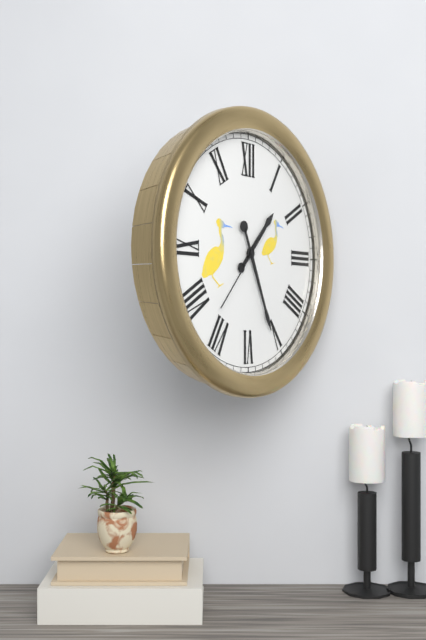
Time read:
**1:26:37**
